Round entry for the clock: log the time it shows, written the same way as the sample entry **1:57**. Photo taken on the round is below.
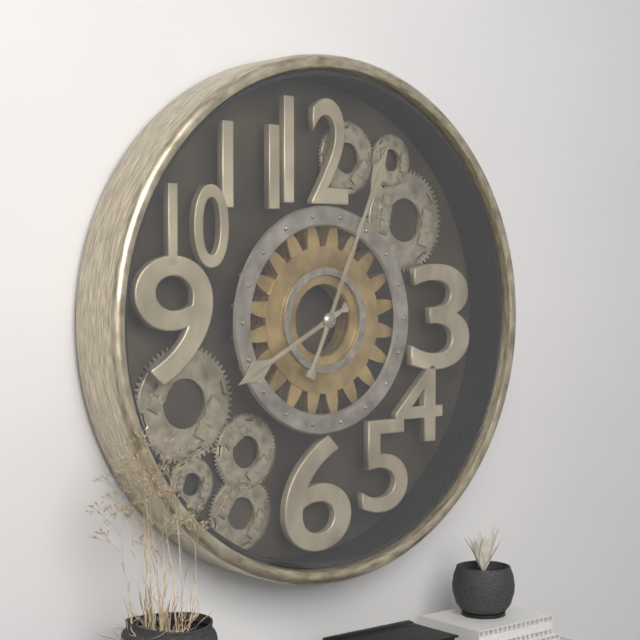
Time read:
**8:04**
